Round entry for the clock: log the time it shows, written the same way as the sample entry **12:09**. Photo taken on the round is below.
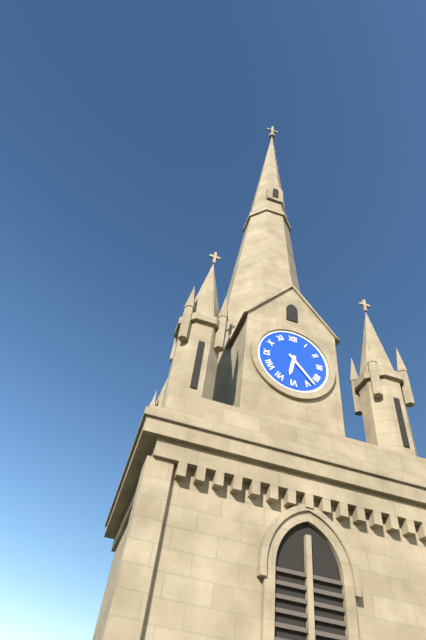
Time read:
**6:23**
